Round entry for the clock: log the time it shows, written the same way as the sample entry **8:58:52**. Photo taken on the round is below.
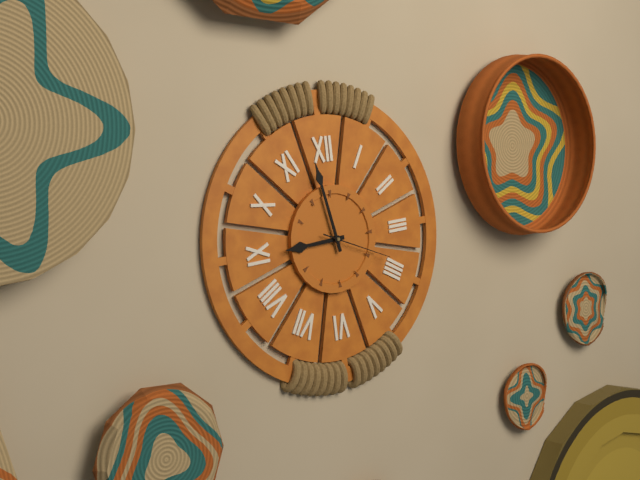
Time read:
**8:58:19**
